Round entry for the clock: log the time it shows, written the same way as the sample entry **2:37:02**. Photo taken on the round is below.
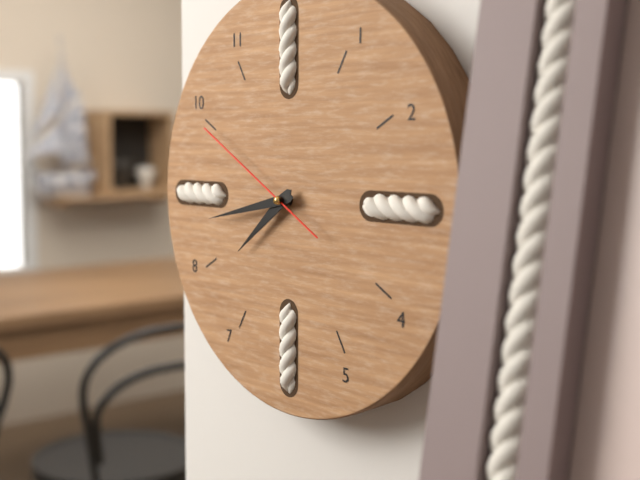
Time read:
**7:43:50**
